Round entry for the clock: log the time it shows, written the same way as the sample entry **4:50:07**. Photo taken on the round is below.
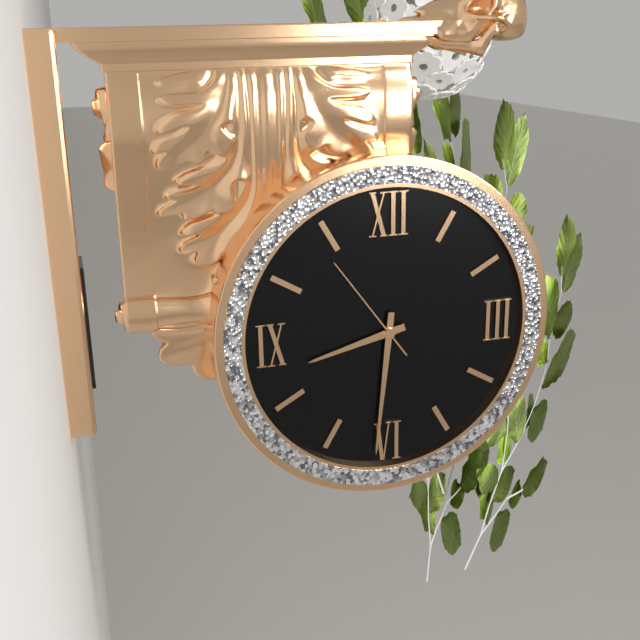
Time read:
**8:31:54**
